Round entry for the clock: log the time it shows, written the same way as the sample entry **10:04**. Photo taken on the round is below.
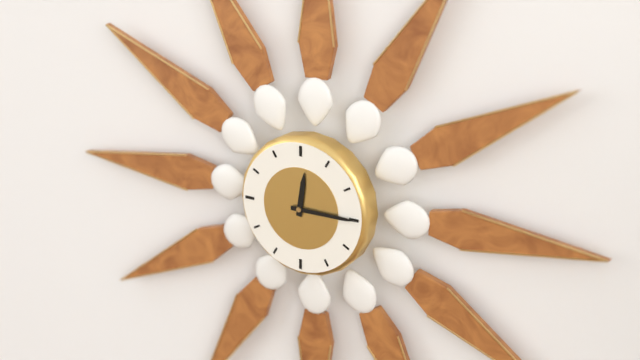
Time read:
**12:15**
